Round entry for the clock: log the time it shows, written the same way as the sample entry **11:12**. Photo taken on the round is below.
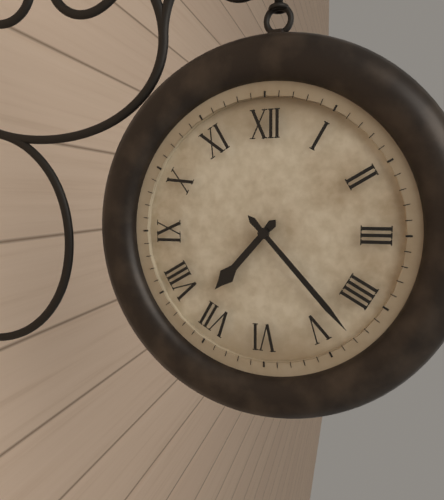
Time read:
**7:23**
